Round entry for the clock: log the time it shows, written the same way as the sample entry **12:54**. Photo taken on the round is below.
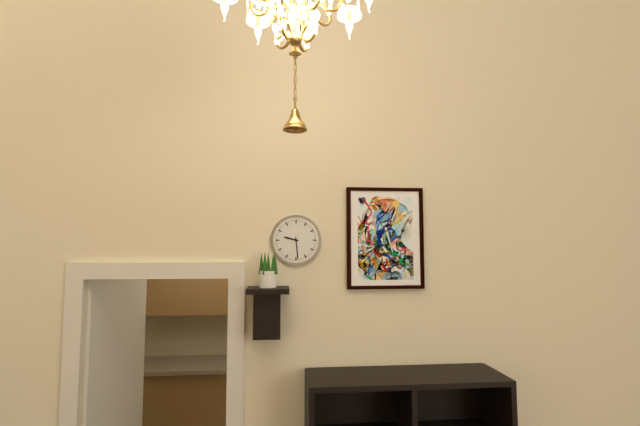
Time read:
**9:29**
